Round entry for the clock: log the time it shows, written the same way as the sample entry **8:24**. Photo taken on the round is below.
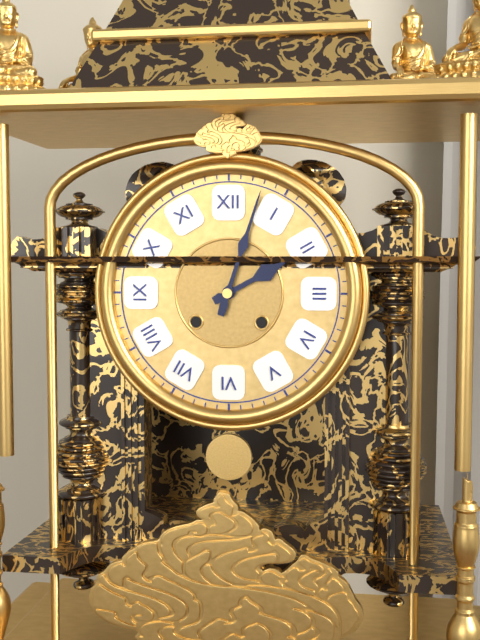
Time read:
**2:03**
